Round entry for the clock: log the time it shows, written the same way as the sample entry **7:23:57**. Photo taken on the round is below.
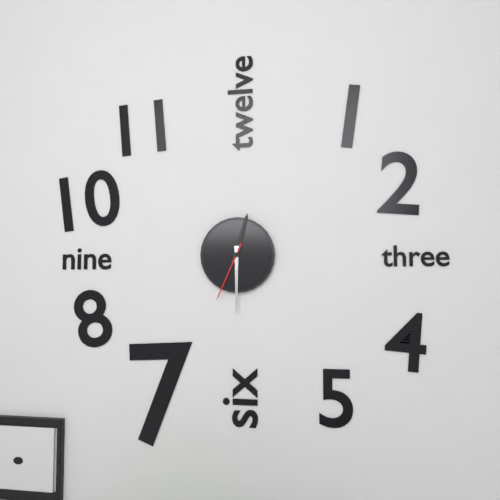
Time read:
**12:30:34**
